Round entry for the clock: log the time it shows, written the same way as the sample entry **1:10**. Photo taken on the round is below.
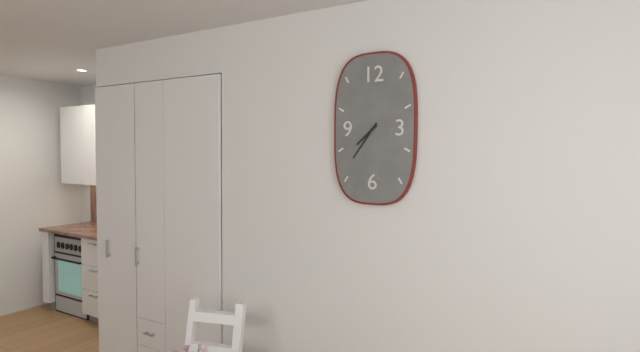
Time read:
**7:36**
